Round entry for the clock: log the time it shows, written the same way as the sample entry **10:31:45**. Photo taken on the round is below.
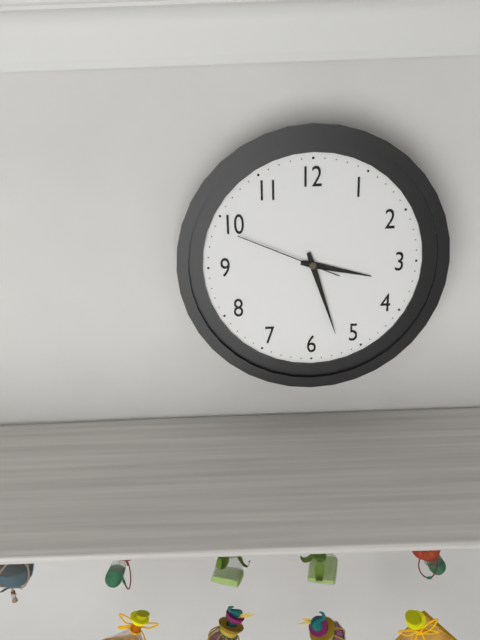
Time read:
**3:27:49**
